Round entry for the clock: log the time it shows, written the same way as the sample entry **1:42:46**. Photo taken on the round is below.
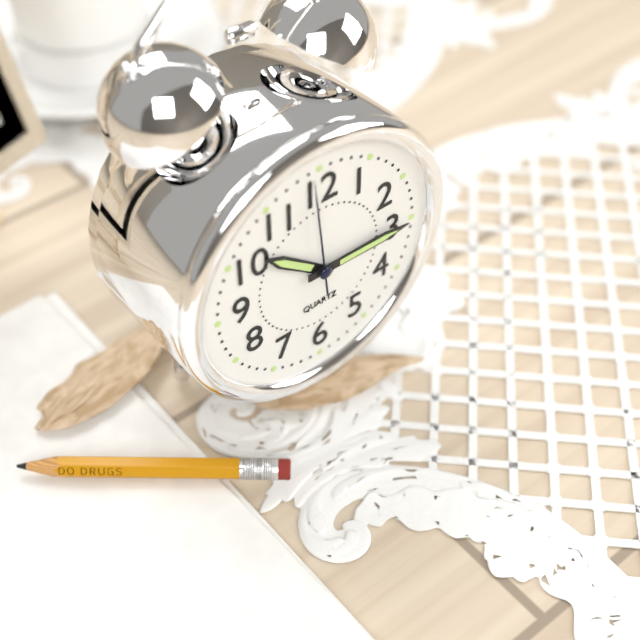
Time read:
**10:15:59**
